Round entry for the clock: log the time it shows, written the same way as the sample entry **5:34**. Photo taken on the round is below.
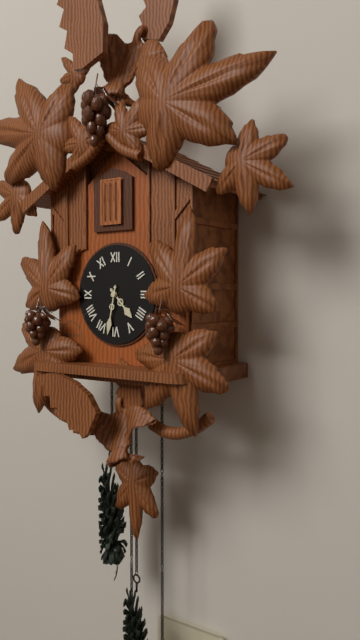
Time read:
**4:32**
